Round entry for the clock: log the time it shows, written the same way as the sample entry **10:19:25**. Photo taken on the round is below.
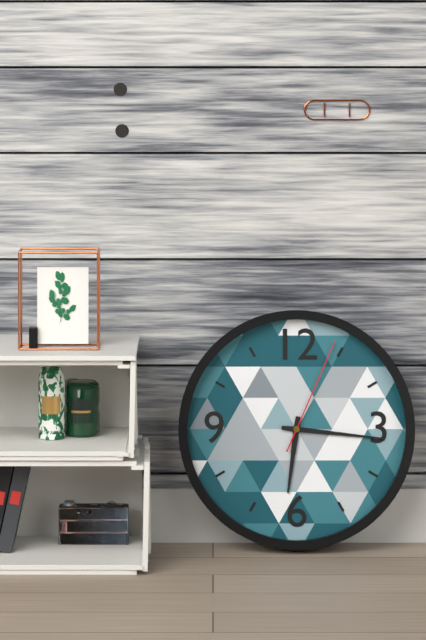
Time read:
**6:16:04**
